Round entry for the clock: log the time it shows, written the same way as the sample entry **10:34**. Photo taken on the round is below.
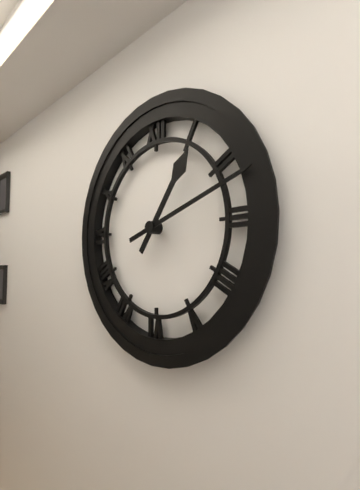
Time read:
**1:12**
